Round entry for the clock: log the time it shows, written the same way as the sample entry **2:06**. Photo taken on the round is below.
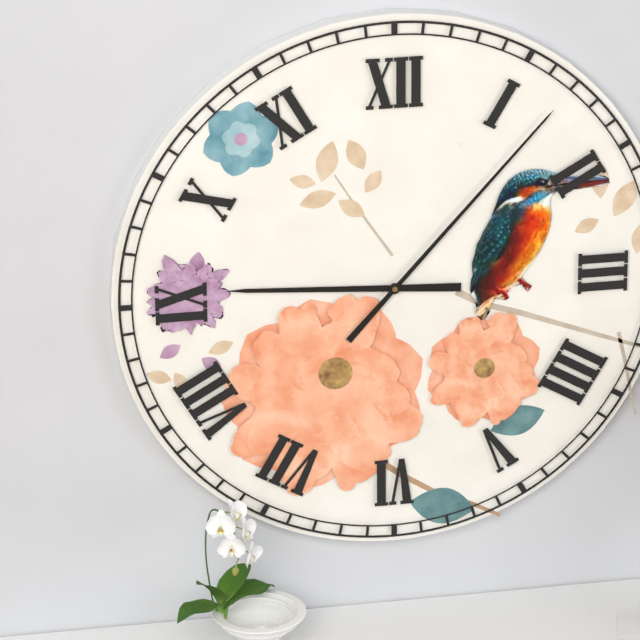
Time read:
**9:07**
